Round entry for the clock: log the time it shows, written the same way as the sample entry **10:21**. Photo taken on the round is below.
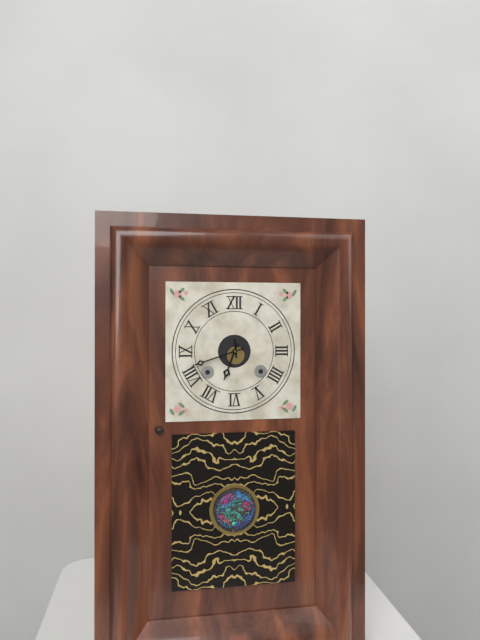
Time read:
**6:42**
